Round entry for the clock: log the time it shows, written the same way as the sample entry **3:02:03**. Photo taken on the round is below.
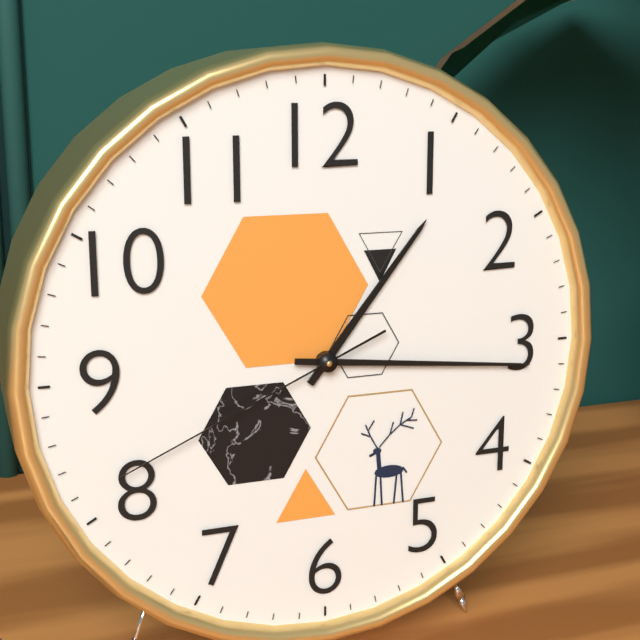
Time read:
**1:16:41**
